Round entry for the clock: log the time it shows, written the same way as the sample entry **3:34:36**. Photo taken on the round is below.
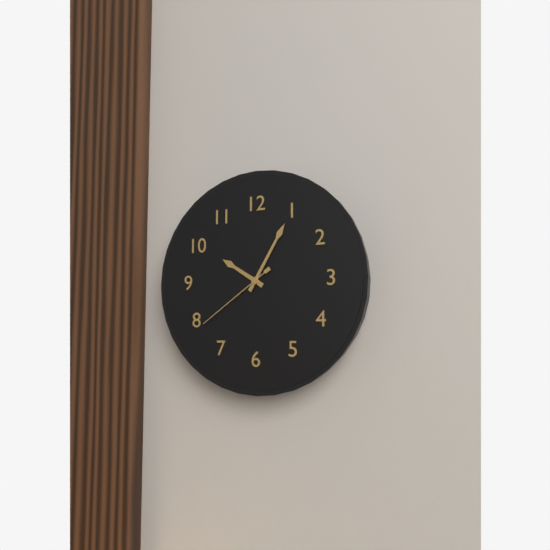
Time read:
**10:05:39**
